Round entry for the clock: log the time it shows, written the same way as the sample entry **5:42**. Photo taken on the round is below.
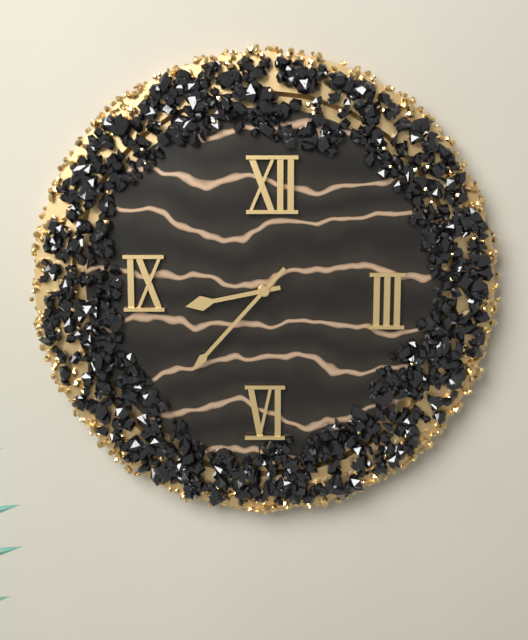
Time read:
**8:37**
